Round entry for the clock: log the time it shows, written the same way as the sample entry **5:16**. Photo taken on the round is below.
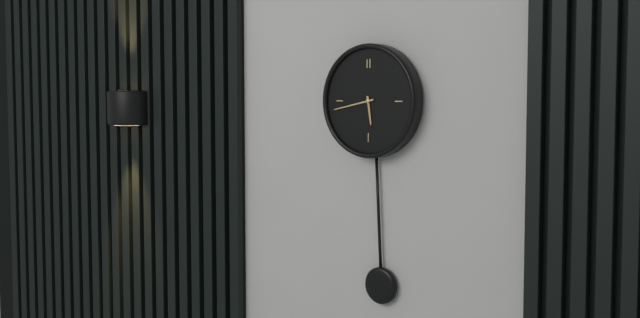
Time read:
**5:43**
